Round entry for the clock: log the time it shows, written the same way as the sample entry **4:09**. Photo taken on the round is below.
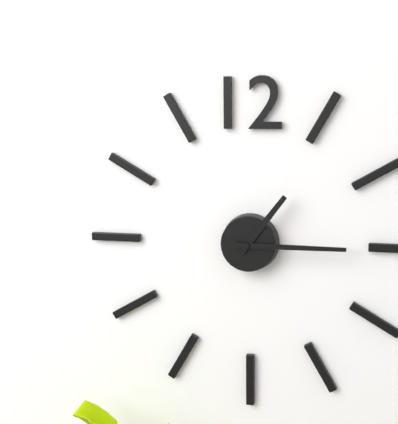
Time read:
**1:15**
